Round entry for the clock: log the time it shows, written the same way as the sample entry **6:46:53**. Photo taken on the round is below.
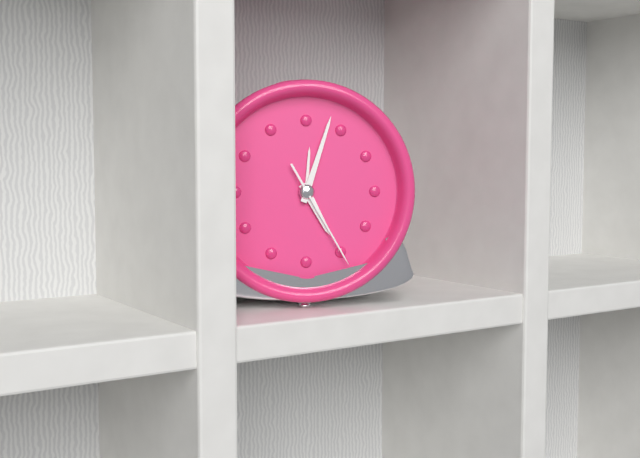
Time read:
**5:03:25**
